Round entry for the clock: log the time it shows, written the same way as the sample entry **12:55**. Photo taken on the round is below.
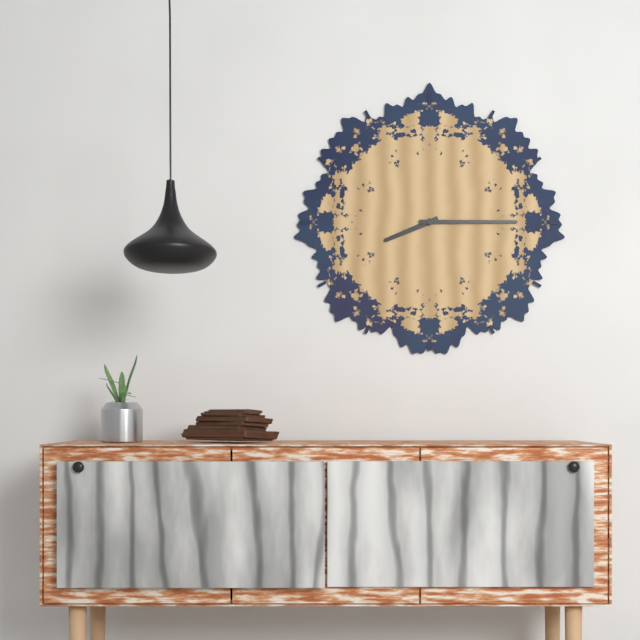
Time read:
**8:15**
